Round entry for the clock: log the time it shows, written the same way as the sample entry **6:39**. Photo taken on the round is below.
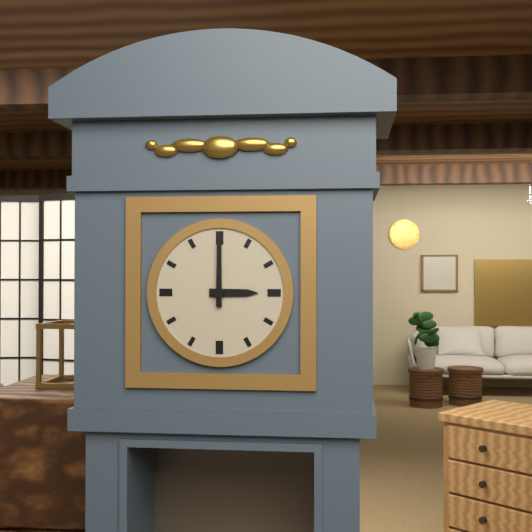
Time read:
**3:00**
